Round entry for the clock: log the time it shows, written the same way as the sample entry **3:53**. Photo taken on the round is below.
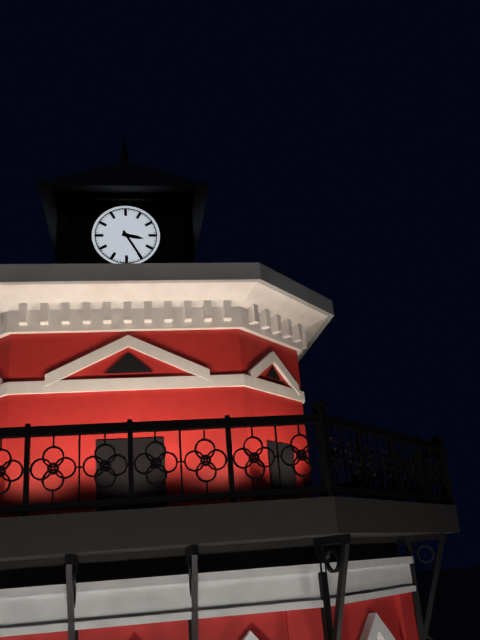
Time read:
**3:25**
